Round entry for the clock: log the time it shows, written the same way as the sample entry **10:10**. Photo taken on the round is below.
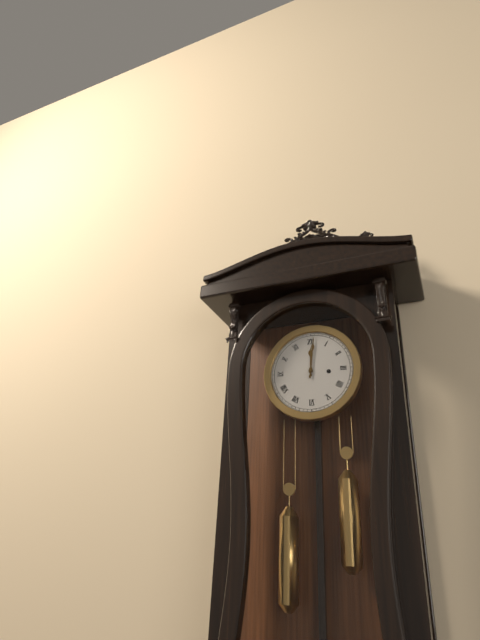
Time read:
**12:01**
